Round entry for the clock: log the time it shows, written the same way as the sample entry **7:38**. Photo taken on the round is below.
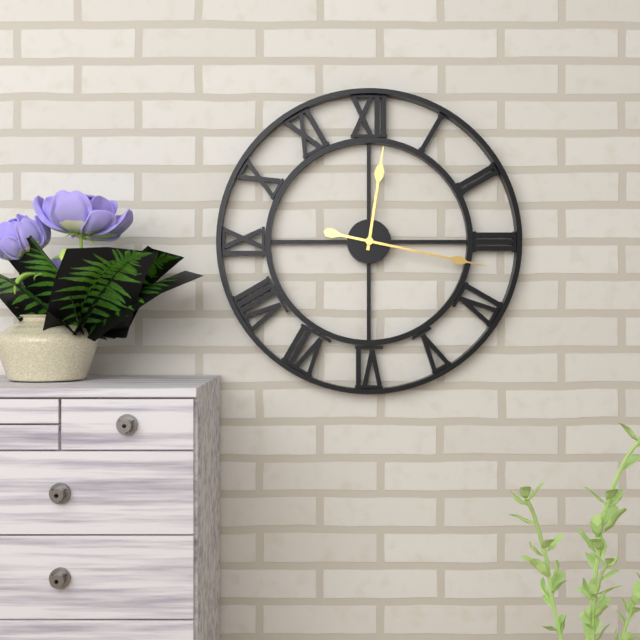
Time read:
**12:17**
